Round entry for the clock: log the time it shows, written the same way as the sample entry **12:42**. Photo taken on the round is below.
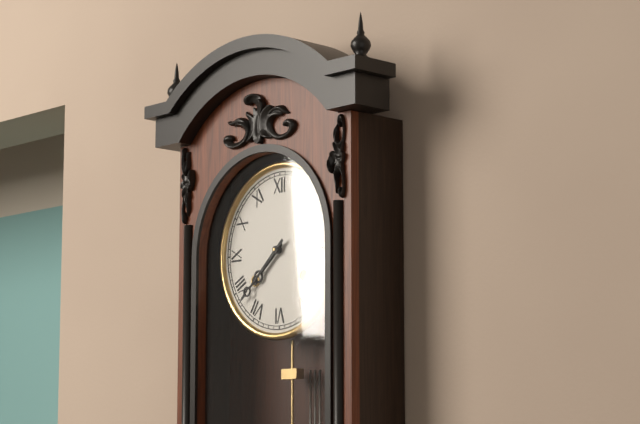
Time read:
**7:38**
